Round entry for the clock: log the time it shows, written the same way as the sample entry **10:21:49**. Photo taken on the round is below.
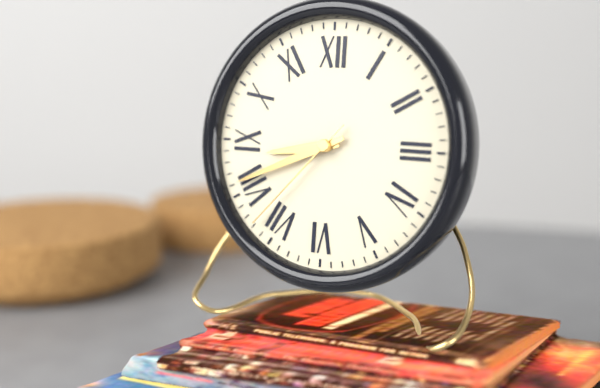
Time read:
**8:41:37**
